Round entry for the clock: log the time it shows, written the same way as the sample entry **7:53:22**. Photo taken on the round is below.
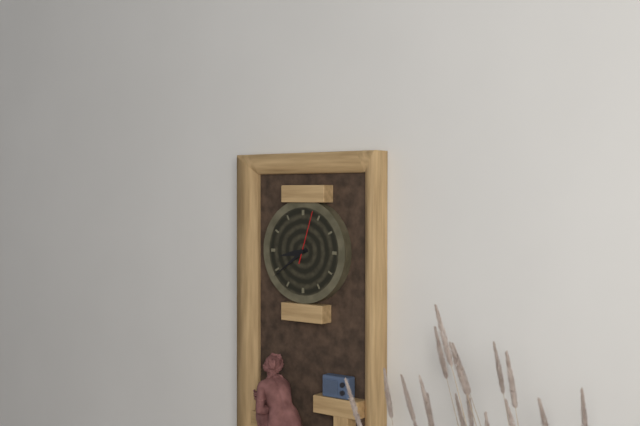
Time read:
**8:39:03**
